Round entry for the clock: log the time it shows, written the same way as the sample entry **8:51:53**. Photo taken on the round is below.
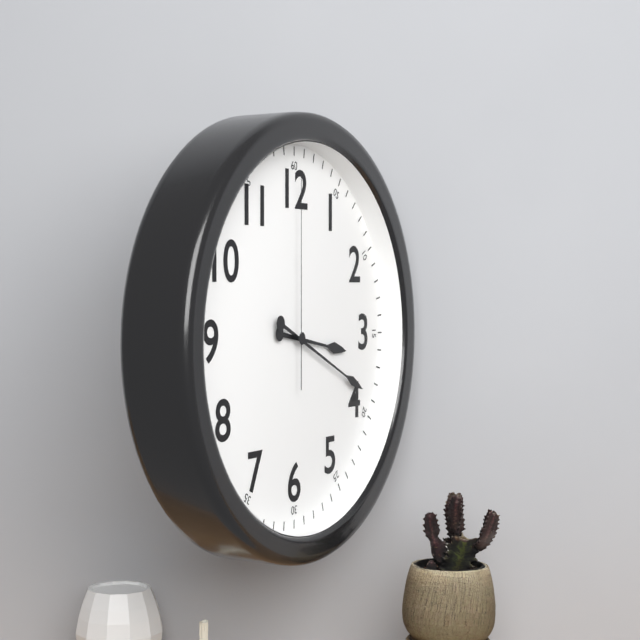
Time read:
**3:19:00**
